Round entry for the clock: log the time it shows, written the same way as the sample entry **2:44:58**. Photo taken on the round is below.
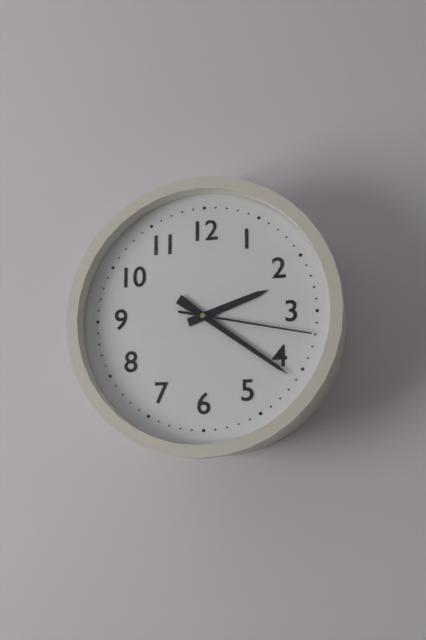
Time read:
**2:21:17**
